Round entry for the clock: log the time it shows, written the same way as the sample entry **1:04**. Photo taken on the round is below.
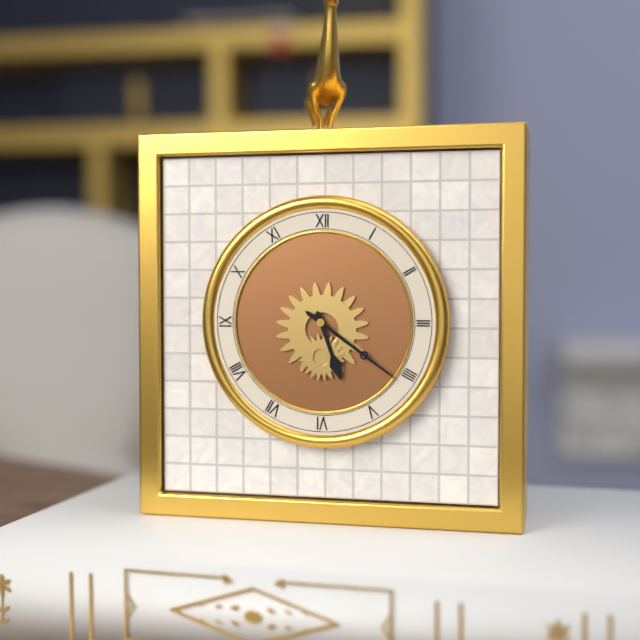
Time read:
**5:21**
